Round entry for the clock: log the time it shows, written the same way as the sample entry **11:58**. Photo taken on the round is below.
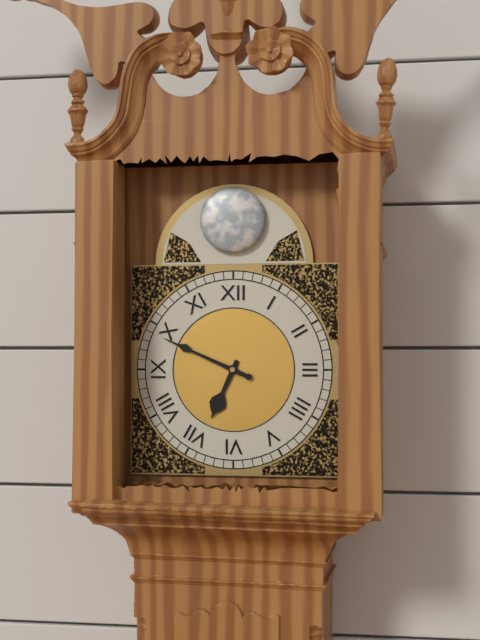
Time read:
**6:49**
